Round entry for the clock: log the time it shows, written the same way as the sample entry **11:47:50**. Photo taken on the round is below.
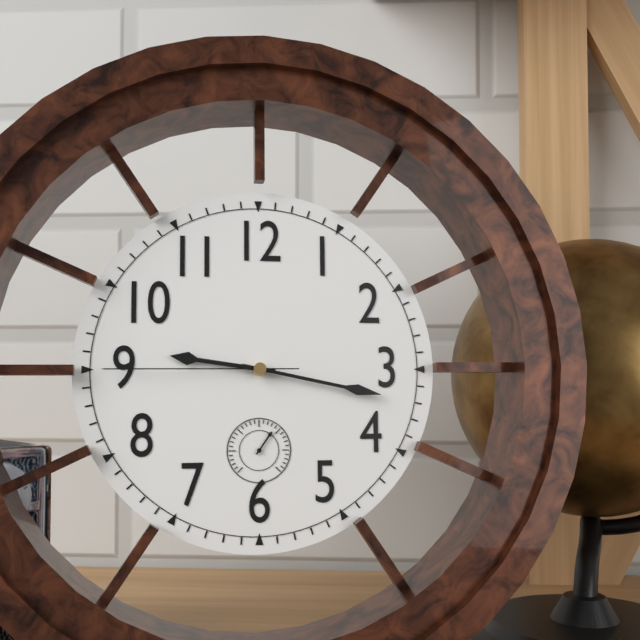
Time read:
**9:17:45**
